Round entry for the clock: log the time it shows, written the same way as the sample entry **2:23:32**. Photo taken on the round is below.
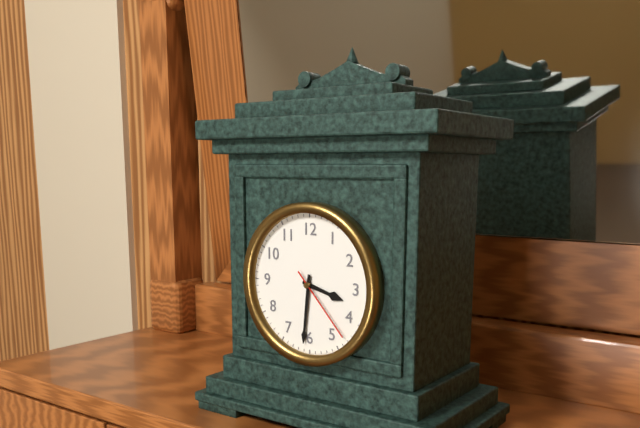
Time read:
**3:31:23**
